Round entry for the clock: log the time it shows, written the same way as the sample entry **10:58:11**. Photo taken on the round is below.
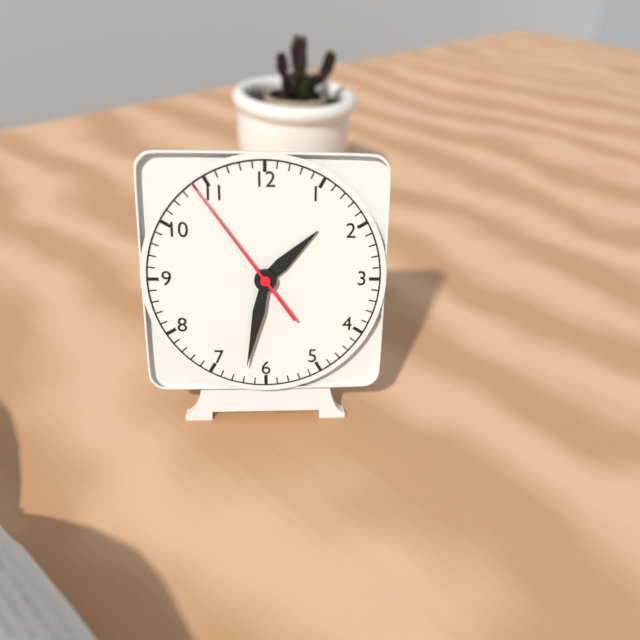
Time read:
**1:32:54**
